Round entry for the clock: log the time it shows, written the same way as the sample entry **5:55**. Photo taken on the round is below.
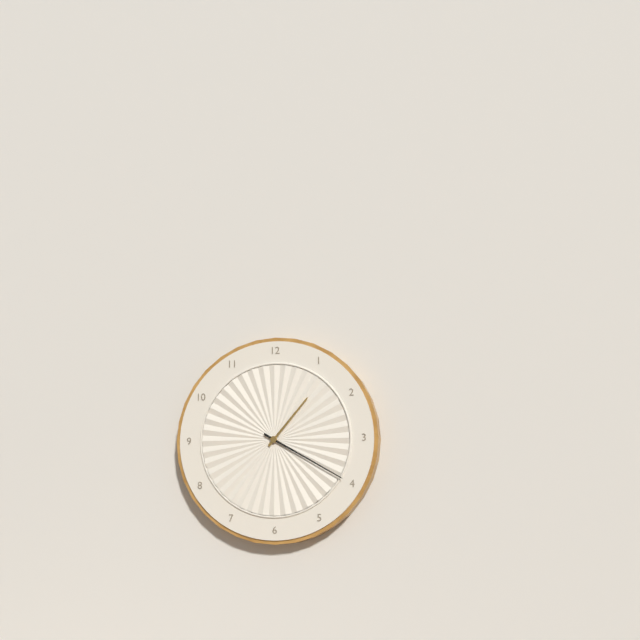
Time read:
**1:20**
